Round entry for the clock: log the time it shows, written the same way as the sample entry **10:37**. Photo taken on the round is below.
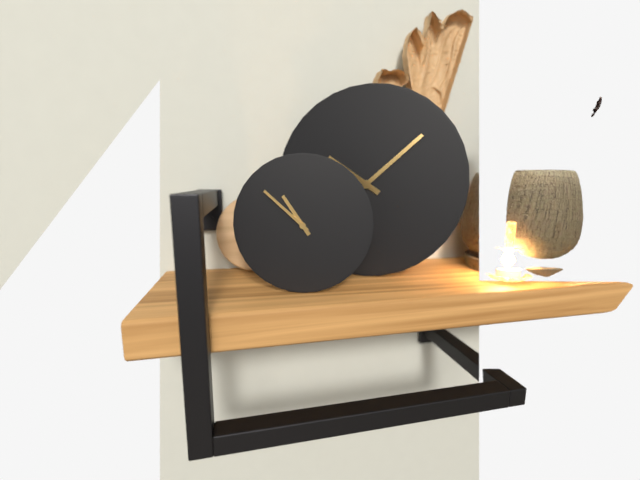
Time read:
**10:52**
